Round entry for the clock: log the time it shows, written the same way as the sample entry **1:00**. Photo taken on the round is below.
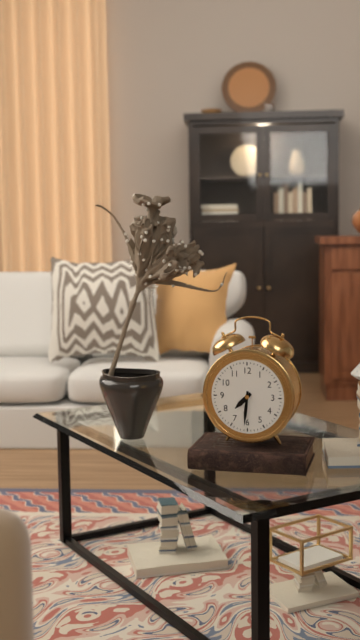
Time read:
**7:31**
